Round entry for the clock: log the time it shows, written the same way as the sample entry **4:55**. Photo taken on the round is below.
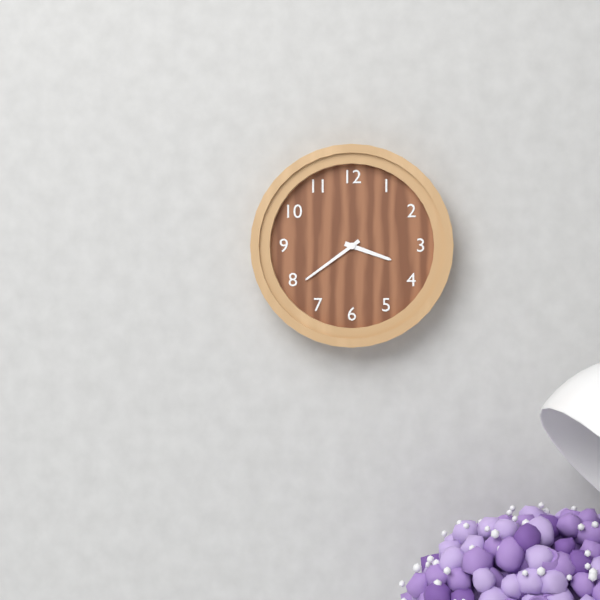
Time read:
**3:39**
